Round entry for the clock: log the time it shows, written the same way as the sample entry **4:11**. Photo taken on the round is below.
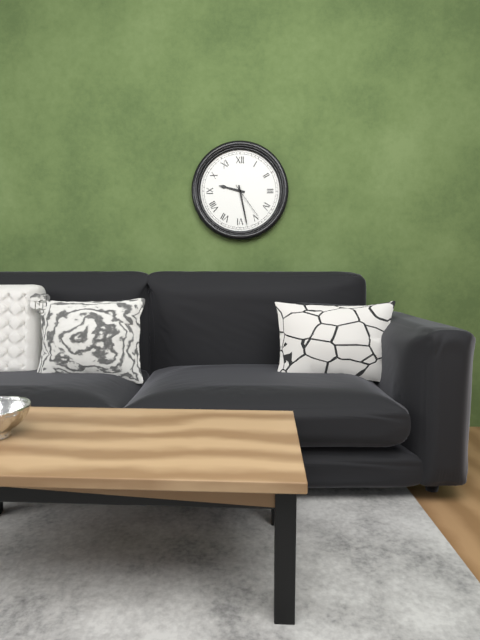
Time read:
**9:28**
